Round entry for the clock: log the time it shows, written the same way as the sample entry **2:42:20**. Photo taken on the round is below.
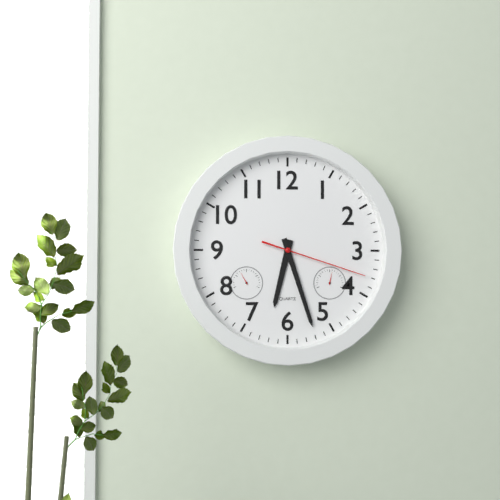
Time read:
**6:27:18**
